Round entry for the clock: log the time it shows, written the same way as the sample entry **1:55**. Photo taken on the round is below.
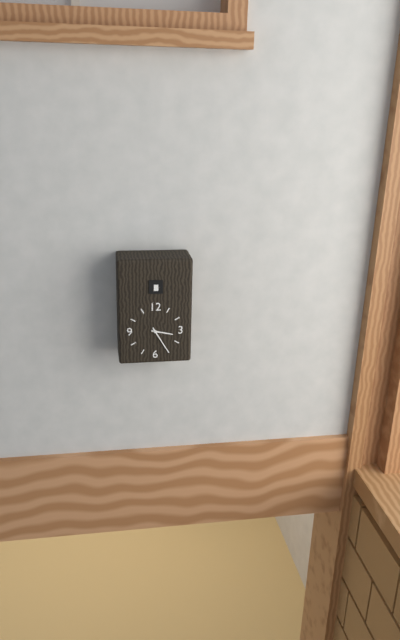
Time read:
**3:25**
